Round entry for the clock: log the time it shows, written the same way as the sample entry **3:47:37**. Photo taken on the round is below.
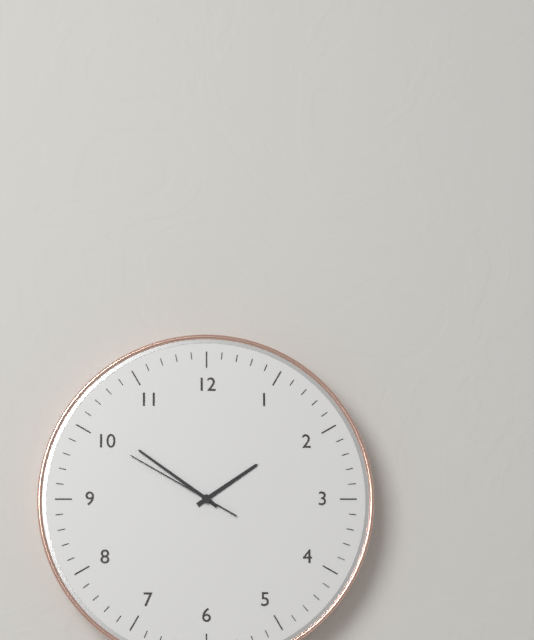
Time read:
**1:51:50**
